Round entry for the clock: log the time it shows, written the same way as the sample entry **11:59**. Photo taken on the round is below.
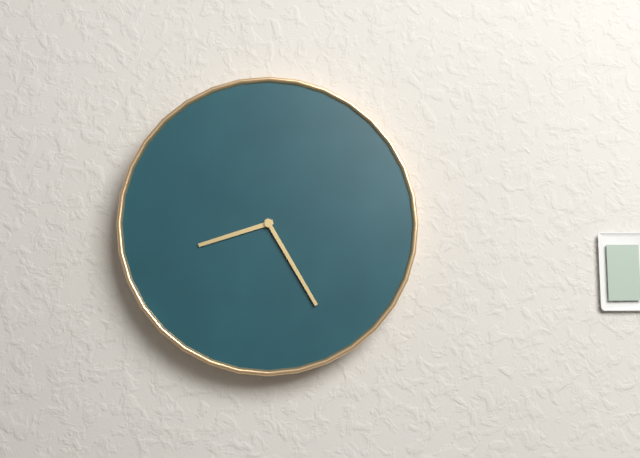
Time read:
**8:25**
